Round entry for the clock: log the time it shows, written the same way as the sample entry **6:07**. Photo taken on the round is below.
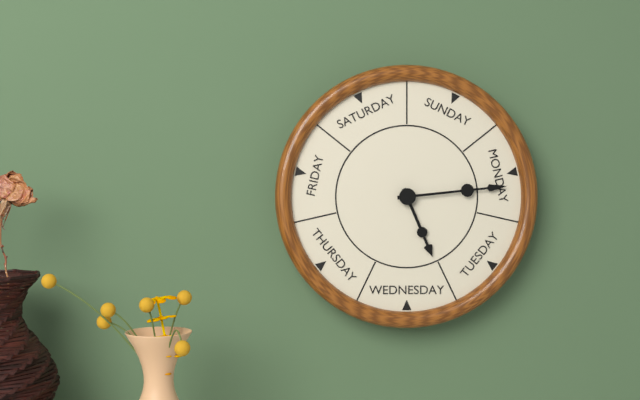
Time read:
**5:14**
